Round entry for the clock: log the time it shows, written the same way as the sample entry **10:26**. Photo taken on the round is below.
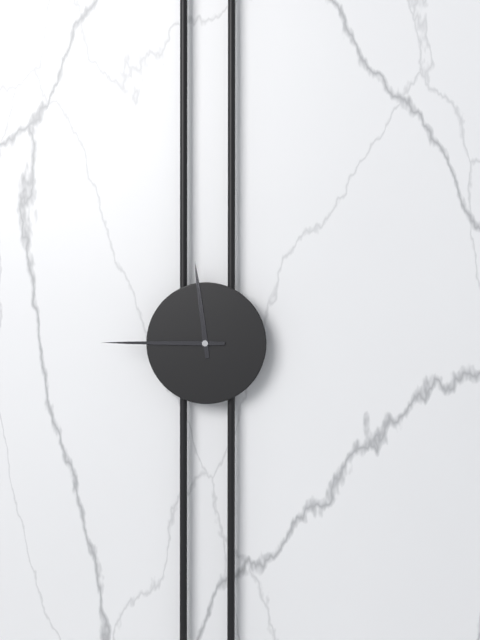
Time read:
**11:45**
